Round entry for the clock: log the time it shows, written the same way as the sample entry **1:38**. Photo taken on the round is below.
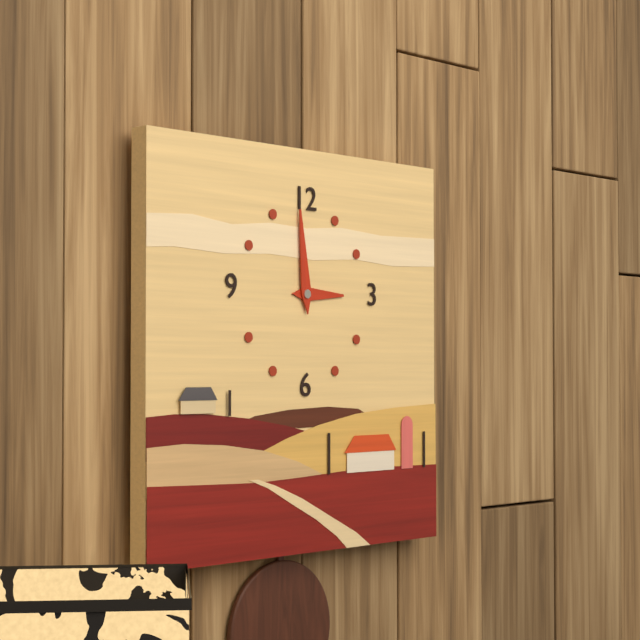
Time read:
**2:59**
